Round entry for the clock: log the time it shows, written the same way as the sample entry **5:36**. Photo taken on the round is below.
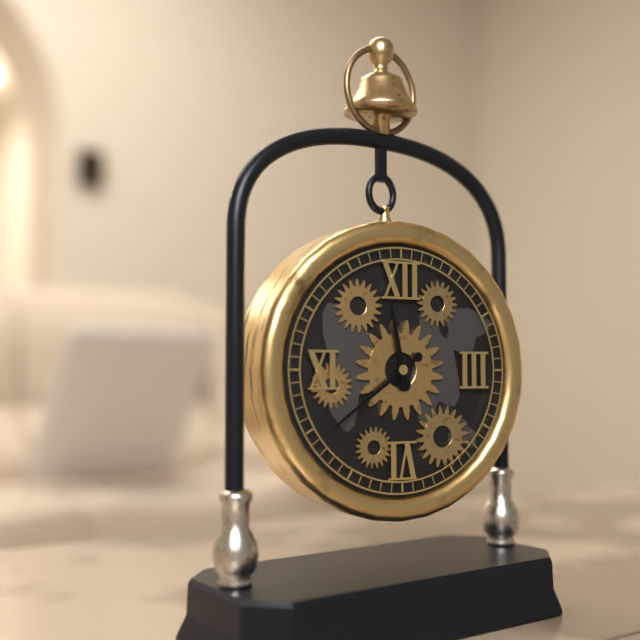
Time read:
**11:39**
